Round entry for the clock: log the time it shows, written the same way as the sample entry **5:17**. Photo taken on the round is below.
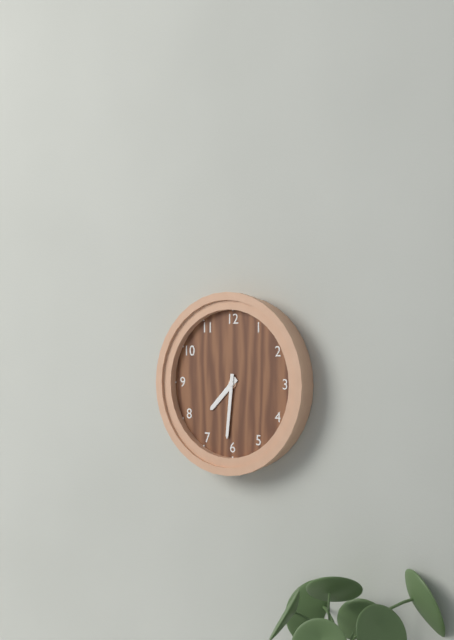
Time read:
**7:31**
